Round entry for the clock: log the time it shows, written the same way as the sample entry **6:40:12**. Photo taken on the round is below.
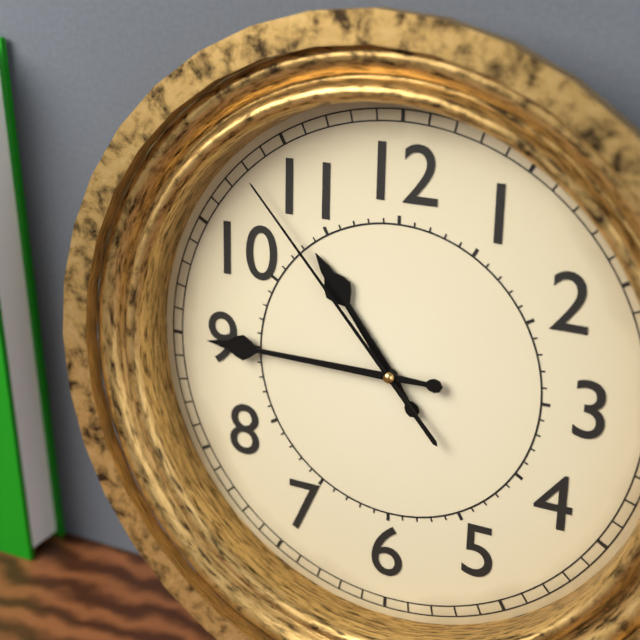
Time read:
**10:45:53**
